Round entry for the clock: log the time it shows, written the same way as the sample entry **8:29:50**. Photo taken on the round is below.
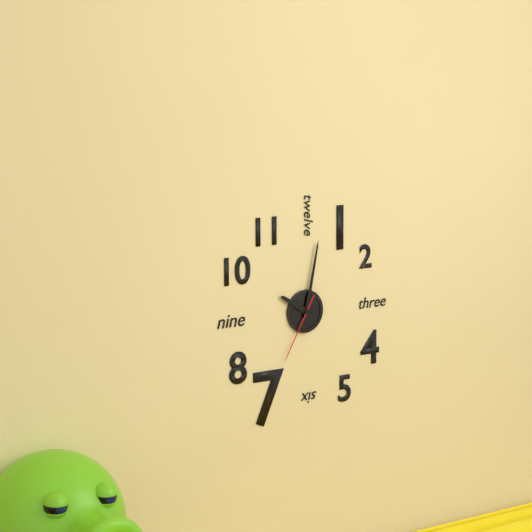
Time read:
**10:02:35**
